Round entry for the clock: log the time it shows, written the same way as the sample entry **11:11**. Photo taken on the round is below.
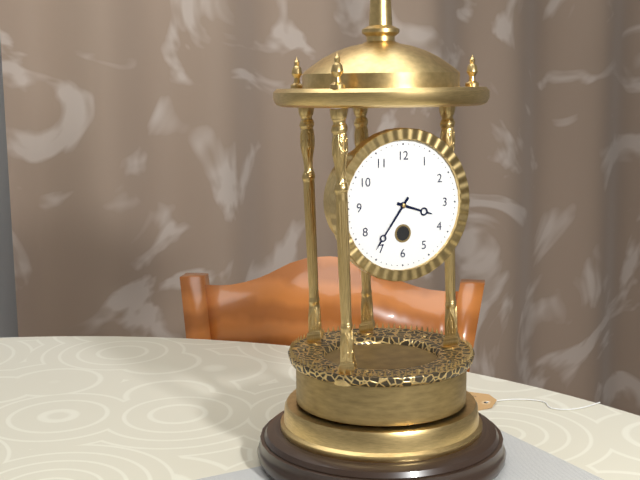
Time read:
**3:36**
